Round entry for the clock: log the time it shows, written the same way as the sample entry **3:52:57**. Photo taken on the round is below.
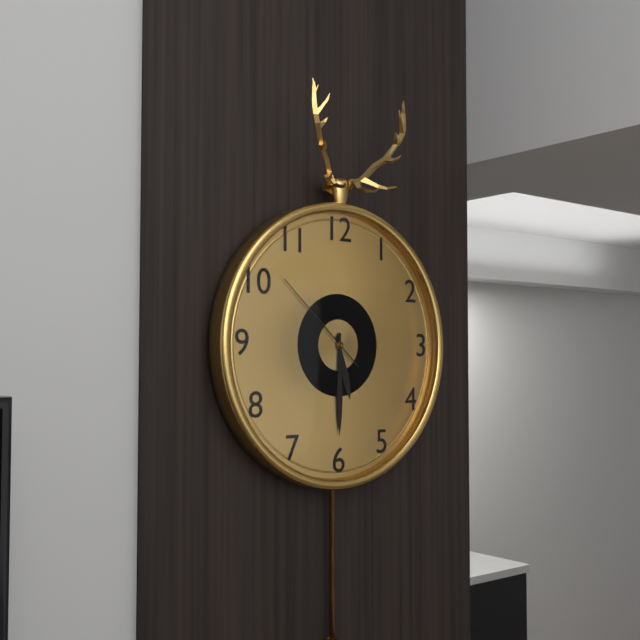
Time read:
**5:30:52**
